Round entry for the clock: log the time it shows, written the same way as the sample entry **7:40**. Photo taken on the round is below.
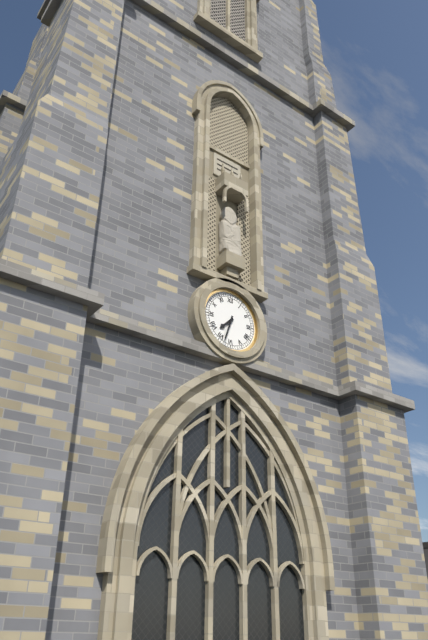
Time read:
**7:33**
